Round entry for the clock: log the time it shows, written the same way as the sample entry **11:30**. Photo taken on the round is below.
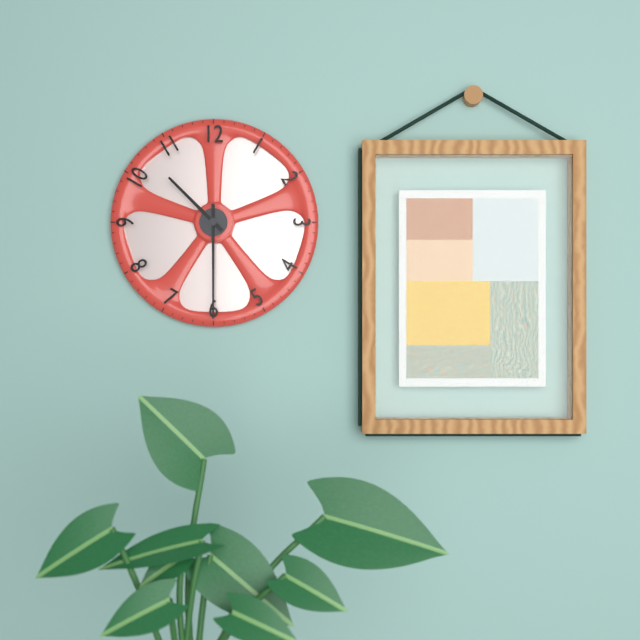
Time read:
**10:30**
